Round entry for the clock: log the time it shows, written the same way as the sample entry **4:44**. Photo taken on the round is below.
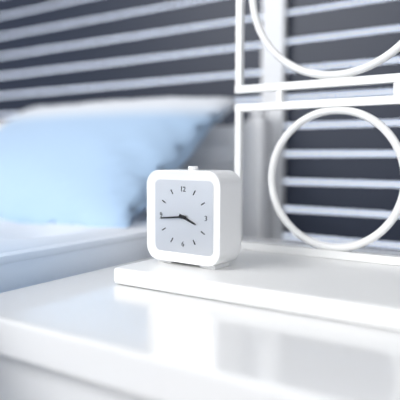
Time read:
**3:44**
